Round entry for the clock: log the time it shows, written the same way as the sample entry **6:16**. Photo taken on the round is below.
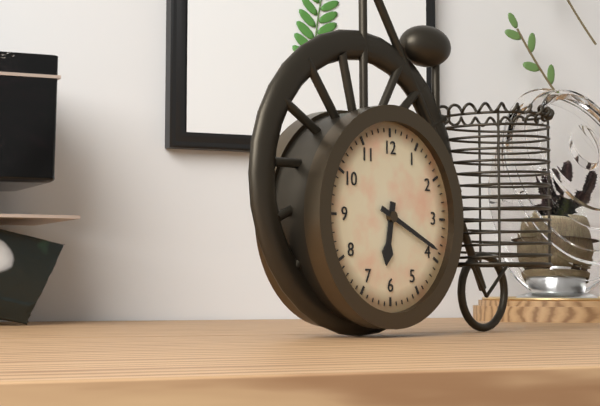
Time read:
**6:19**
